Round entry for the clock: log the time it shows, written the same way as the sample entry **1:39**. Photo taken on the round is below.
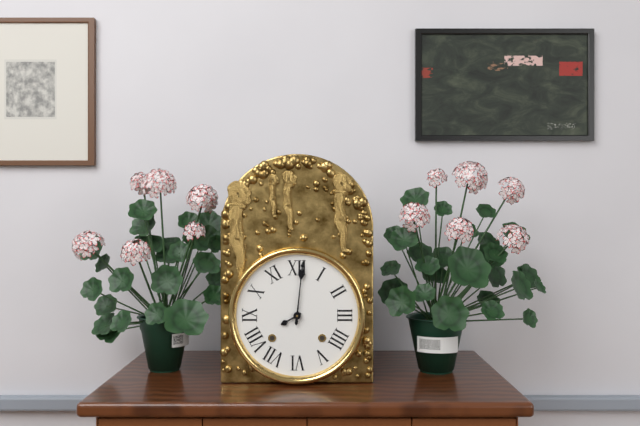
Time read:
**8:01**
